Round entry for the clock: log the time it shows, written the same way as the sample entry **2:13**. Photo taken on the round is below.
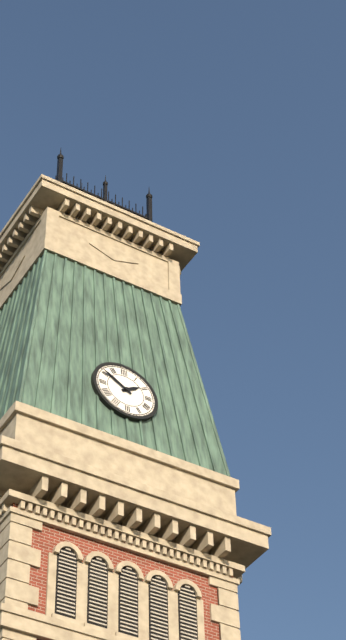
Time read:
**1:51**
